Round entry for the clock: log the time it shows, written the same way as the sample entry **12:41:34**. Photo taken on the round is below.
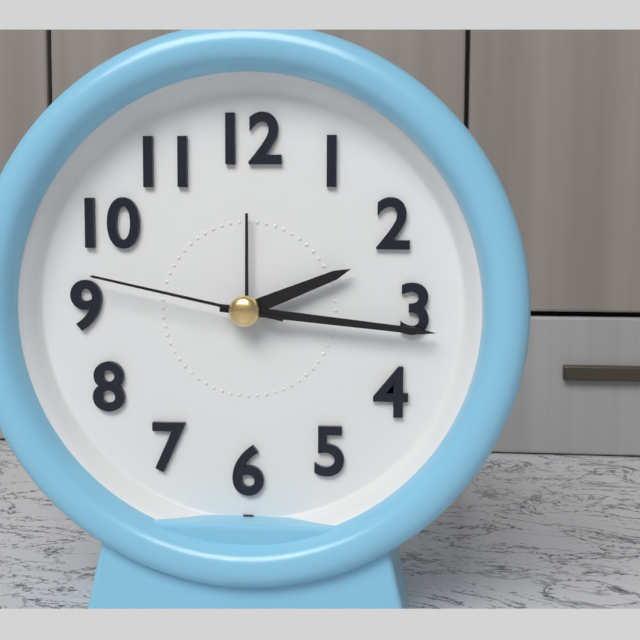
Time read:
**2:16:47**
